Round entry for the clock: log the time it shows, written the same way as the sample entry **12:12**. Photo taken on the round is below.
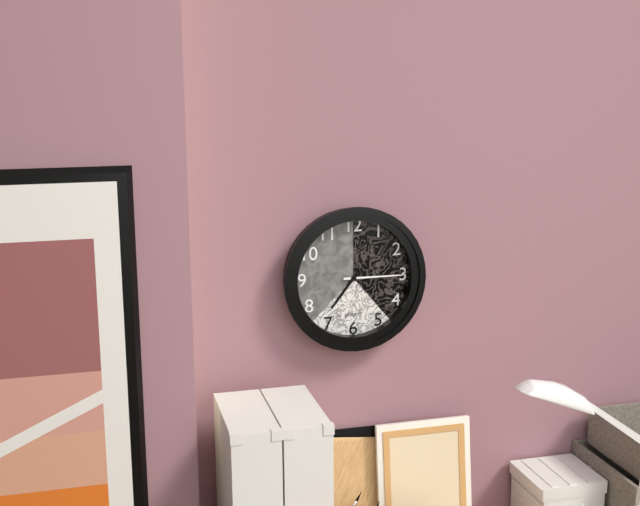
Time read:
**7:15**
